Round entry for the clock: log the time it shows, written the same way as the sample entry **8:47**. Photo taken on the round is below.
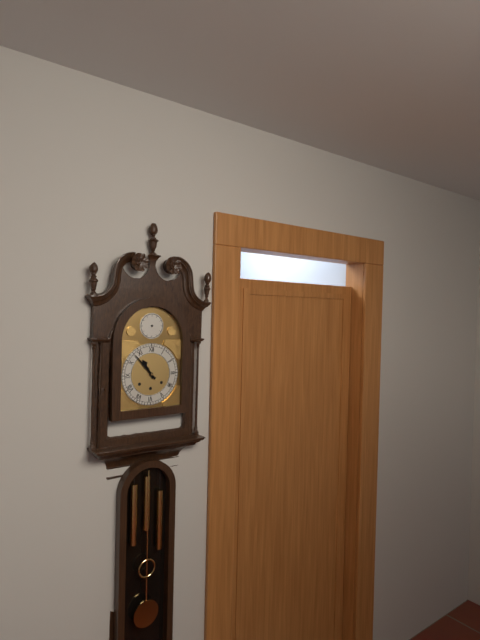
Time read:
**10:53**
